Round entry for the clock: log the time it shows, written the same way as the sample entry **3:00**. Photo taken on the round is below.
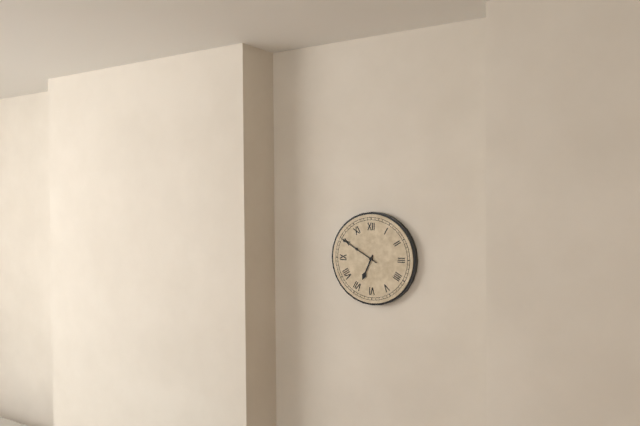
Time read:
**6:50**
